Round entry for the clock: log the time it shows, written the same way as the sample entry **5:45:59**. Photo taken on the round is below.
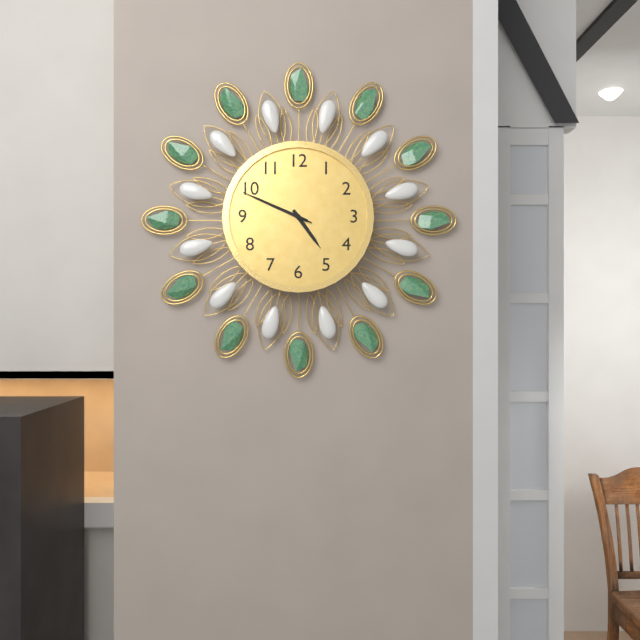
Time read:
**4:49:49**
